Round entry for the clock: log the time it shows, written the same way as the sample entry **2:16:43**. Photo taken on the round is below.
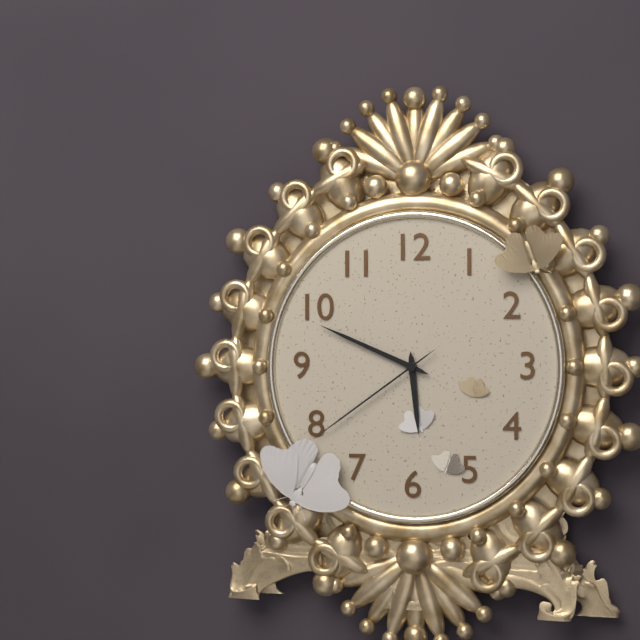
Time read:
**5:49:39**
